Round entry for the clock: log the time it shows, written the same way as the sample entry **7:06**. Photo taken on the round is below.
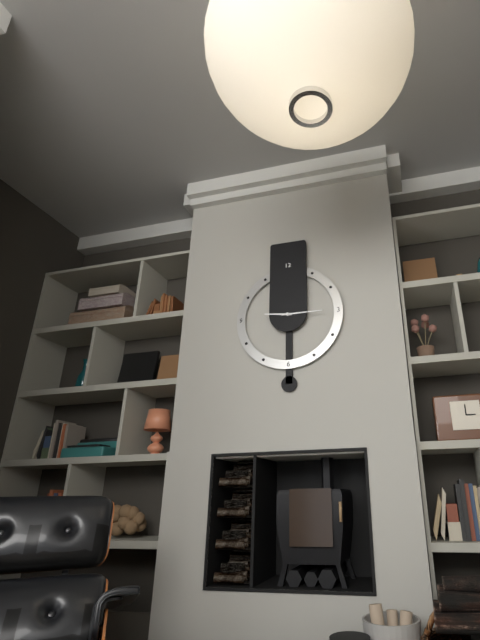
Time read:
**9:15**
